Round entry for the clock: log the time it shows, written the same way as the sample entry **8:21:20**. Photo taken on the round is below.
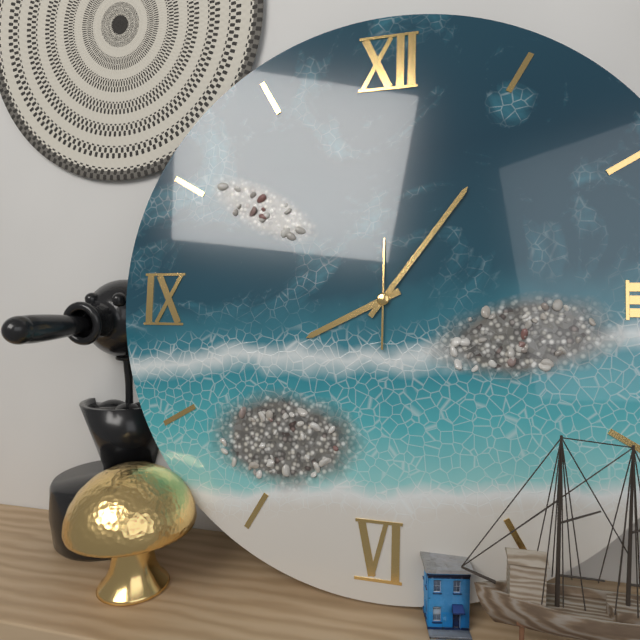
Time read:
**8:06:00**
